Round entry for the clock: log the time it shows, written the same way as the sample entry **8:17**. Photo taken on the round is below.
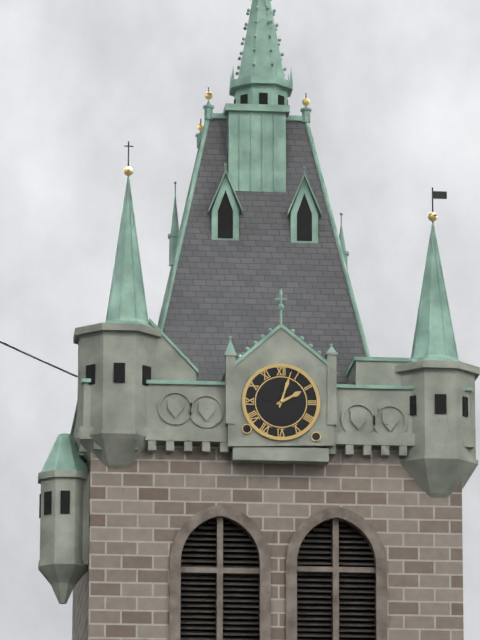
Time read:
**2:03**
